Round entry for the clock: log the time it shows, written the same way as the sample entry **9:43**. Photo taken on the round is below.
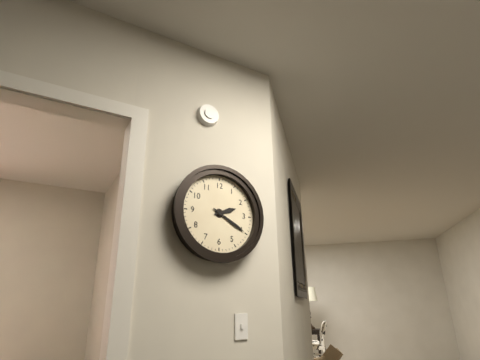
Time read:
**2:20**
